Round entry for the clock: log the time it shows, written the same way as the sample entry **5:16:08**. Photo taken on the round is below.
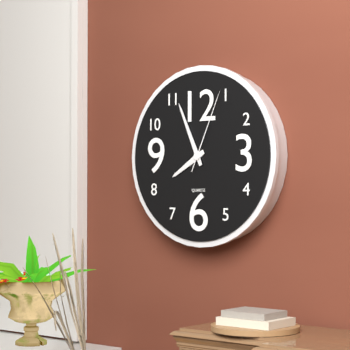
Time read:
**7:56:04**
